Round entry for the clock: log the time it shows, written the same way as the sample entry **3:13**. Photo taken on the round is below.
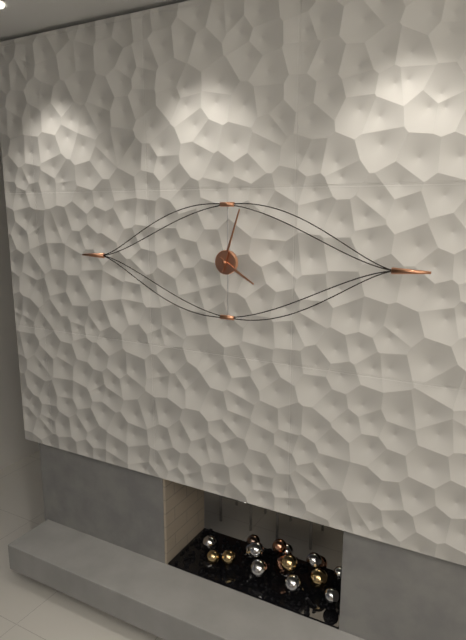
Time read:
**4:03**
